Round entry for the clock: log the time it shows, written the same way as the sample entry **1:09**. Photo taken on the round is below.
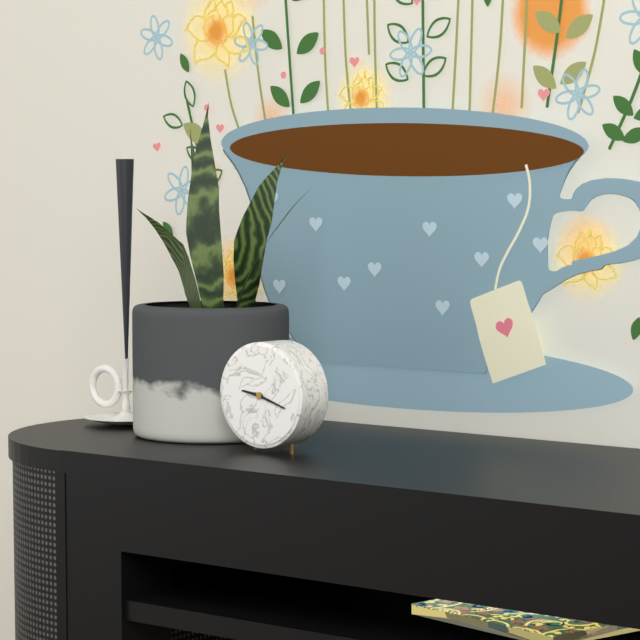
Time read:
**9:18**
